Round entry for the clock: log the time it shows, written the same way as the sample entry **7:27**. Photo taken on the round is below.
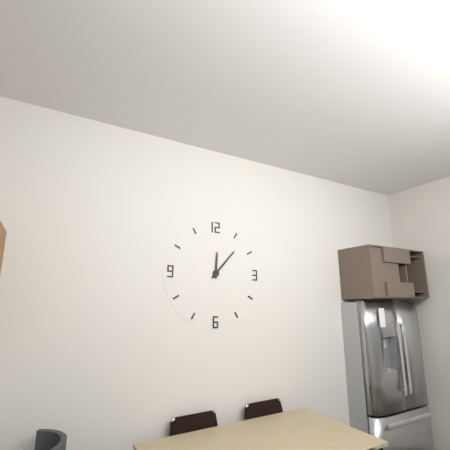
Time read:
**12:07**
